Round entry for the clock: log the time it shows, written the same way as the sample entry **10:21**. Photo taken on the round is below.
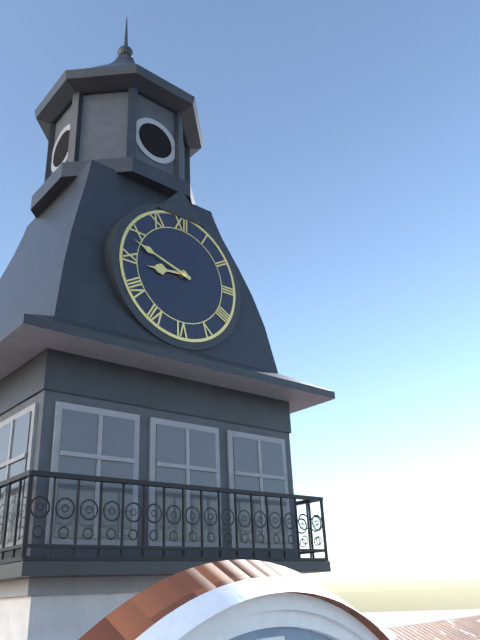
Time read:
**8:48**
